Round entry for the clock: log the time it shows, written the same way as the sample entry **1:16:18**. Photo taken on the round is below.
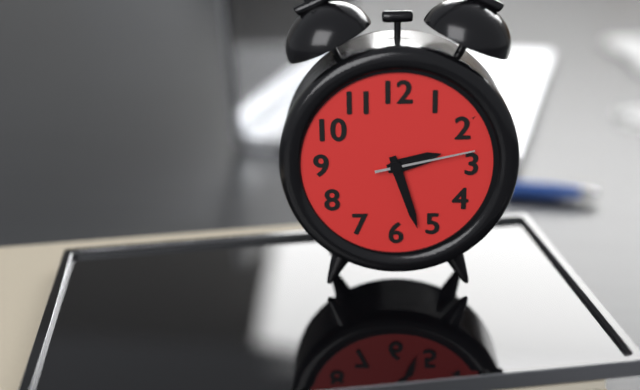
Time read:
**2:27:13**
